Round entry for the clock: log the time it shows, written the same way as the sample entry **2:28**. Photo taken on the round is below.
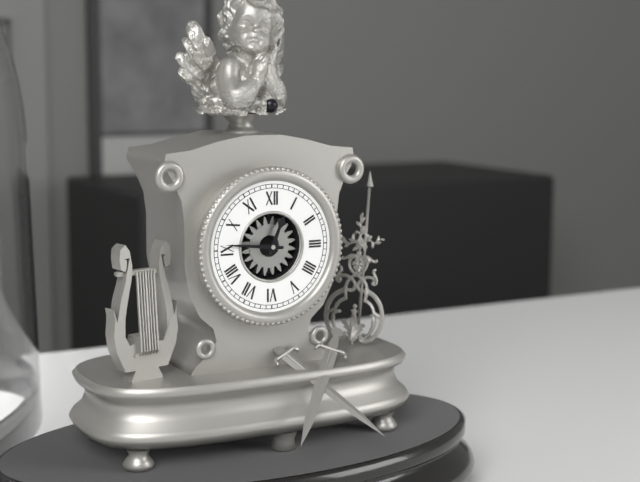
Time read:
**12:46**
